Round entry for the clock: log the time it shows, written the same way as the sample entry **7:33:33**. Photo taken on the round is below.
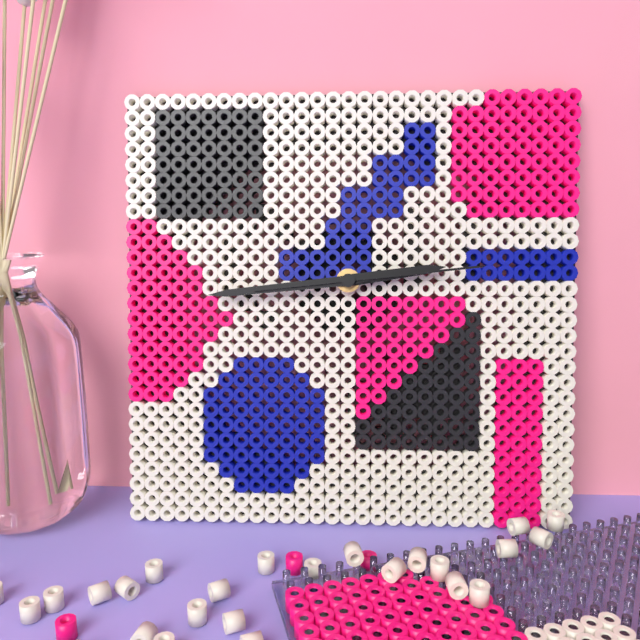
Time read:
**2:44:14**
